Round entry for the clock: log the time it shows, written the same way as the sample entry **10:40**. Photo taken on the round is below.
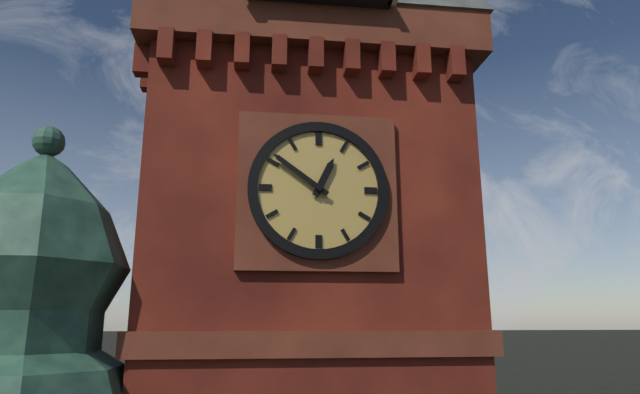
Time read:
**12:51**
